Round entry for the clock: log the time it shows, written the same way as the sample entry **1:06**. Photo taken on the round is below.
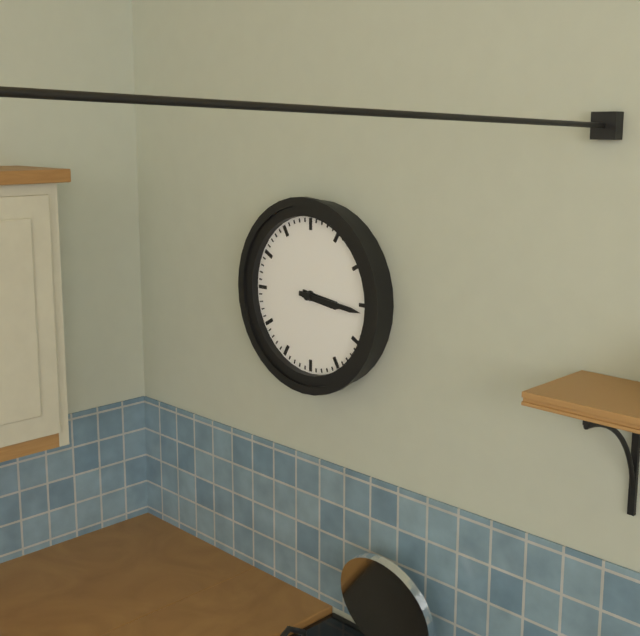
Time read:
**3:16**
